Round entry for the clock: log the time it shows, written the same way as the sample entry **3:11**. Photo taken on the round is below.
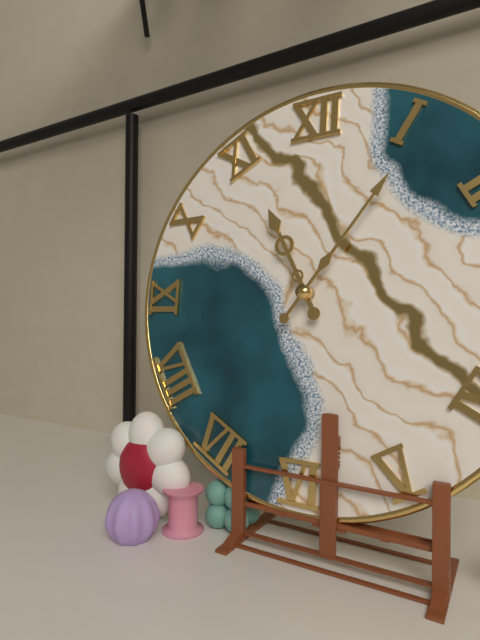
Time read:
**11:06**
